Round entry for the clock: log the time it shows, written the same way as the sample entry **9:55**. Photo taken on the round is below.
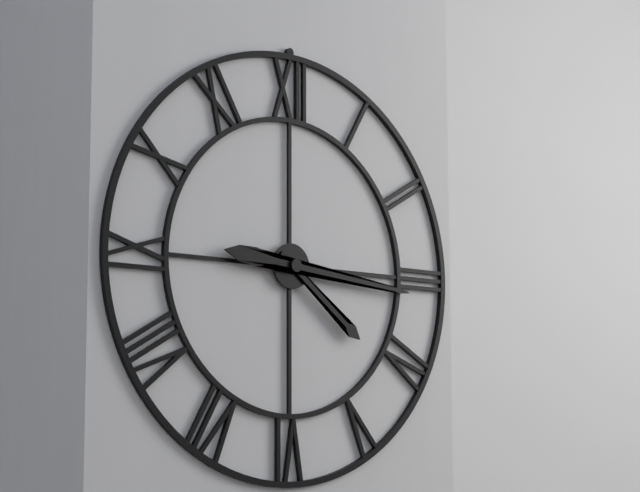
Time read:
**4:16**
